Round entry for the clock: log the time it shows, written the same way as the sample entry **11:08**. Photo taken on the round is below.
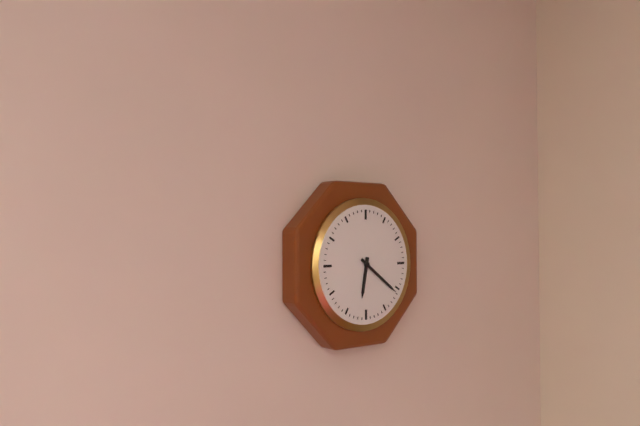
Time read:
**6:21**
